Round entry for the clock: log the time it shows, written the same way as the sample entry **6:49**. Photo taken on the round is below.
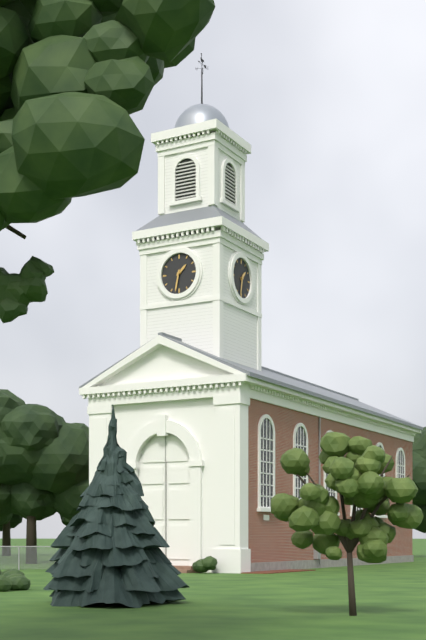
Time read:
**1:32**
